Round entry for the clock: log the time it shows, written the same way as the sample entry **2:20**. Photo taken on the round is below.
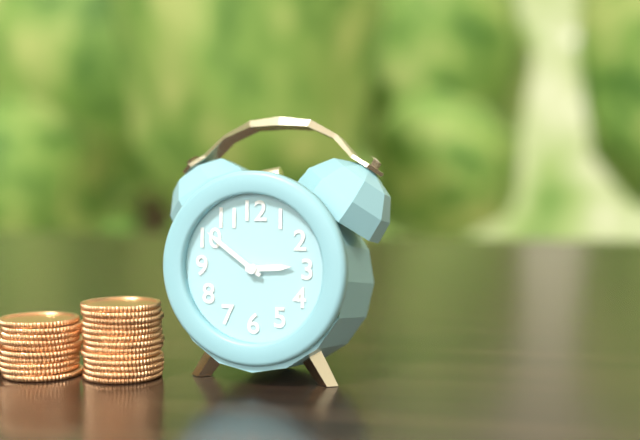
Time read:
**2:51**
